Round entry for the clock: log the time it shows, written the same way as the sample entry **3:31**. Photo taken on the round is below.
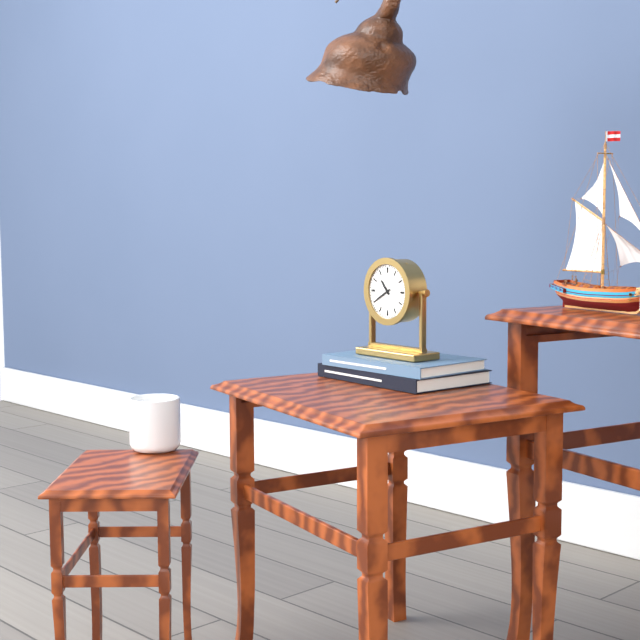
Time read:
**10:40**
